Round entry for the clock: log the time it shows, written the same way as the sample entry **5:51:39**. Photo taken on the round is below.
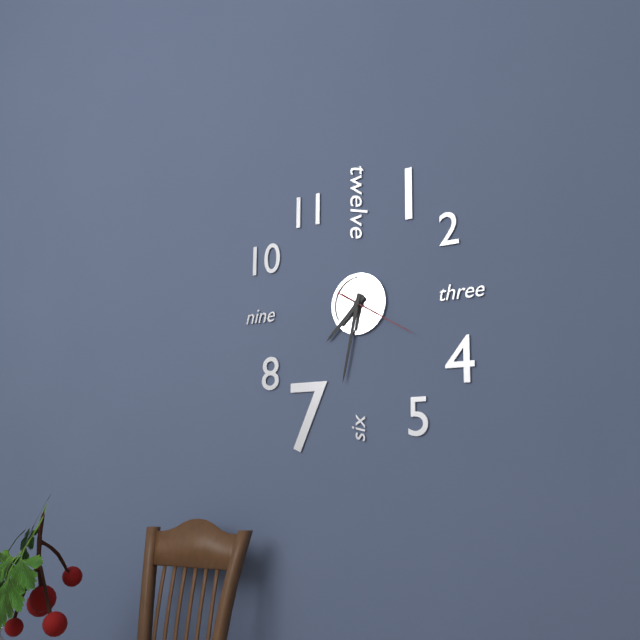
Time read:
**7:32:20**
